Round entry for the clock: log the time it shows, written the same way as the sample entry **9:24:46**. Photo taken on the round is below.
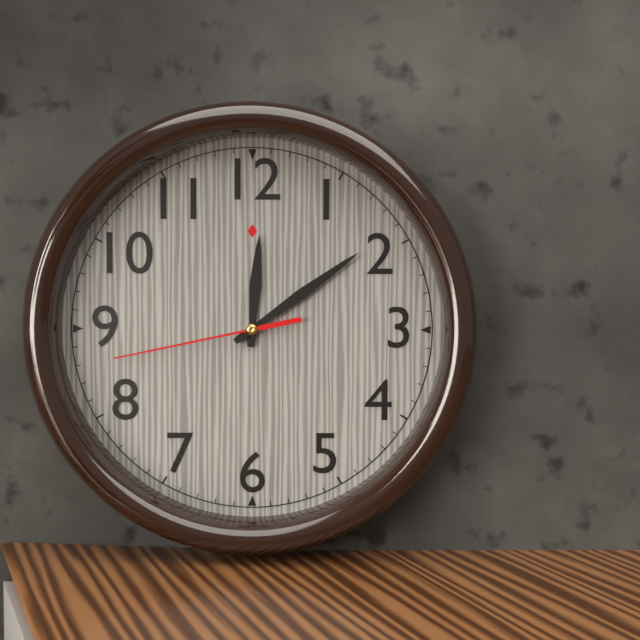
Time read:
**12:09:43**
